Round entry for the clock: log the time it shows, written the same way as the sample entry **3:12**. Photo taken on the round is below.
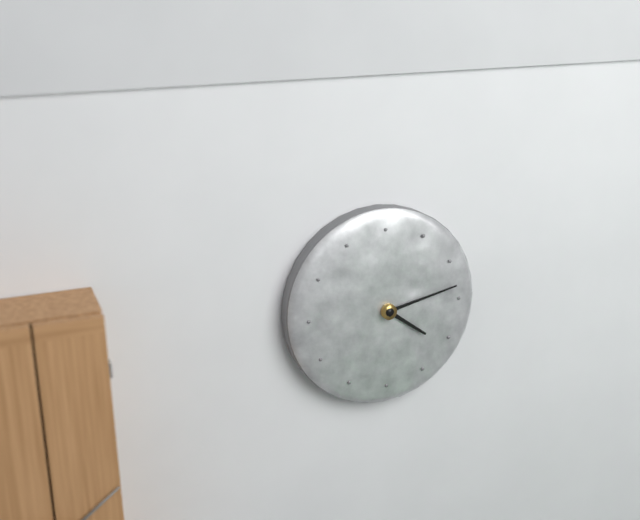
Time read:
**4:13**
